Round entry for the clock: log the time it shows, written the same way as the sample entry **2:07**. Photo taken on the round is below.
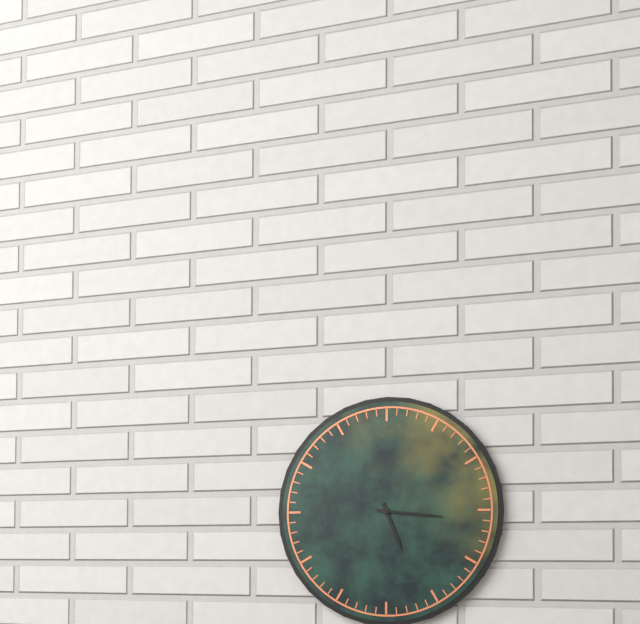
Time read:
**5:16**
